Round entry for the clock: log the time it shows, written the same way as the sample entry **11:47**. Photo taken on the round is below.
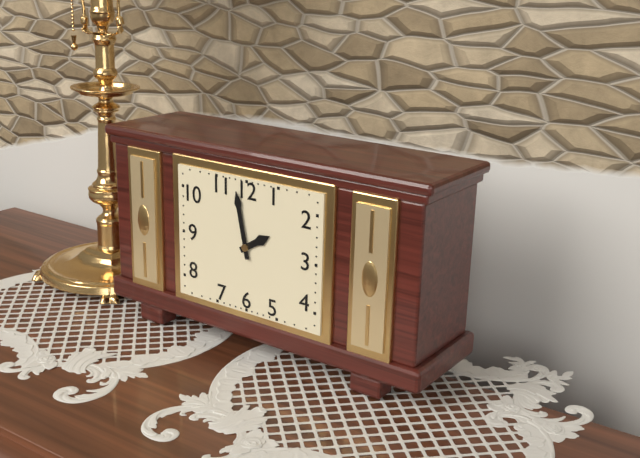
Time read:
**1:58**
